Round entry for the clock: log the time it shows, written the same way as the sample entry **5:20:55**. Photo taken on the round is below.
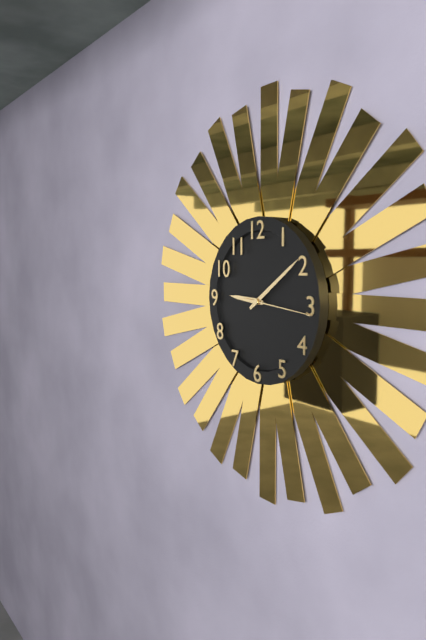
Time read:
**9:09:16**
